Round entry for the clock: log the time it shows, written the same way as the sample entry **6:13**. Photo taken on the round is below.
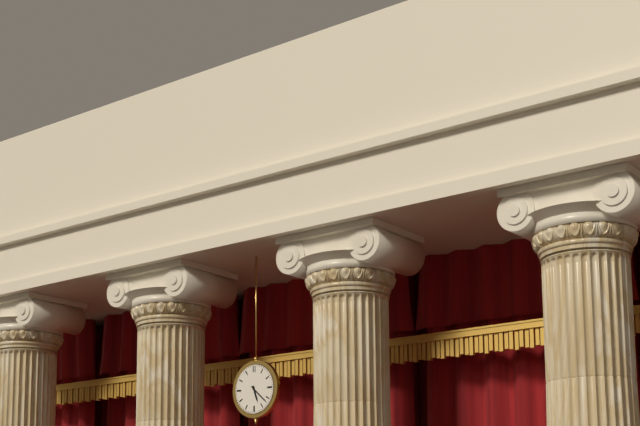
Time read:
**5:22**
